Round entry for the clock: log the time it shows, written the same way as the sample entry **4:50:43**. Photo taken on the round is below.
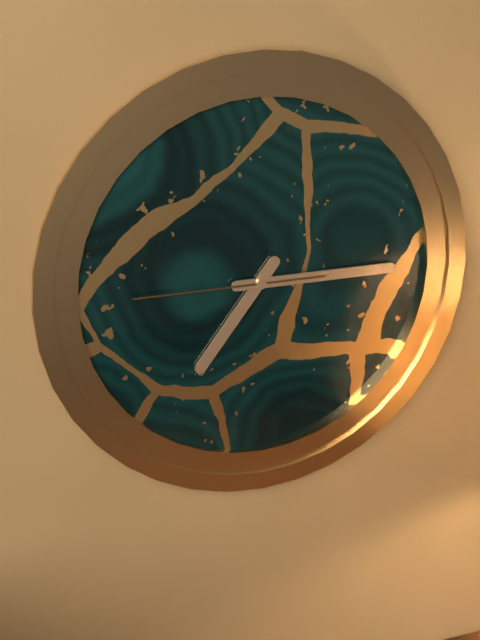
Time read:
**7:15:45**
